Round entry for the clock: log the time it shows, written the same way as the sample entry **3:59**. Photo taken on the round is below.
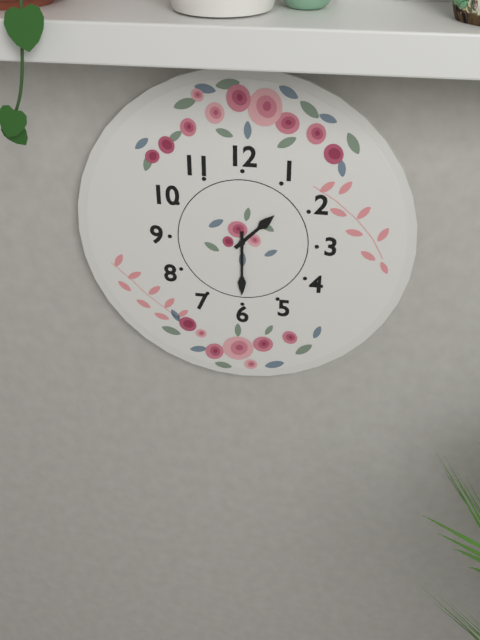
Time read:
**1:30**
